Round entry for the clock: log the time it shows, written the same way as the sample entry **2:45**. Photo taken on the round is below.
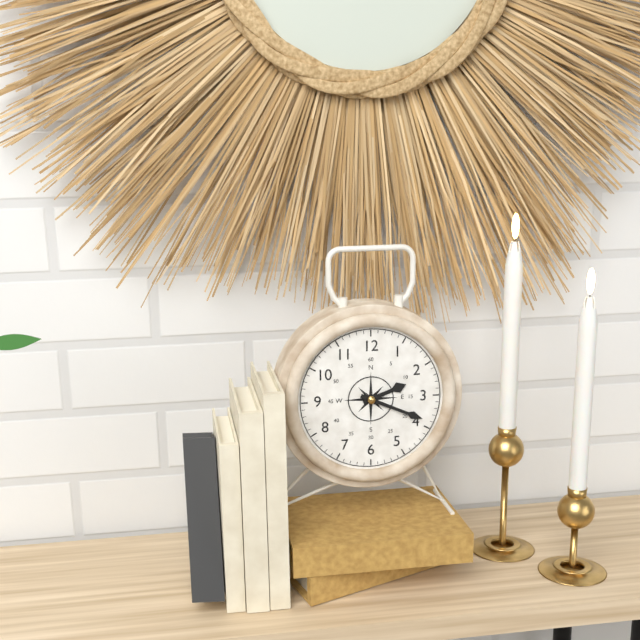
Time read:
**2:19**
